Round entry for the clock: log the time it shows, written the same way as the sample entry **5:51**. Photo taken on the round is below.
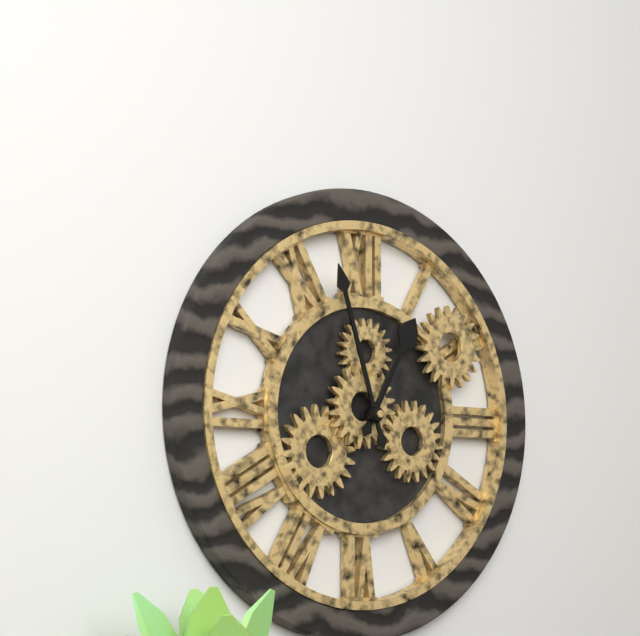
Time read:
**12:57**
